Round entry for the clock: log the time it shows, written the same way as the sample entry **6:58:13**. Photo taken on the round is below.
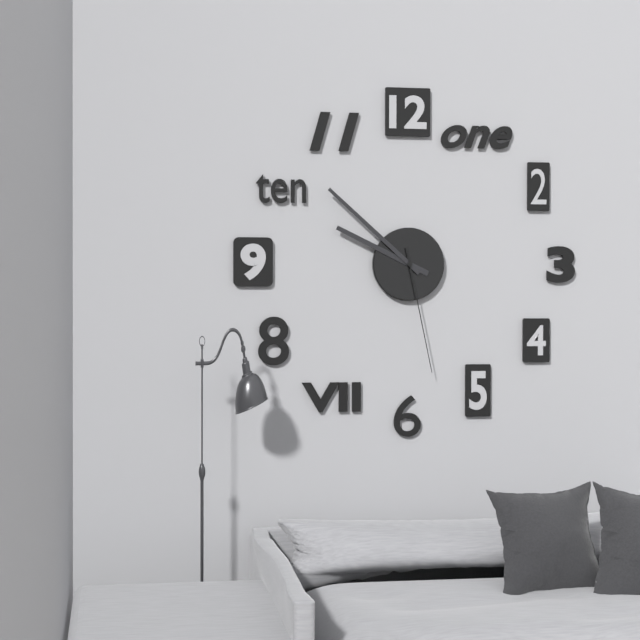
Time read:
**9:52:28**
